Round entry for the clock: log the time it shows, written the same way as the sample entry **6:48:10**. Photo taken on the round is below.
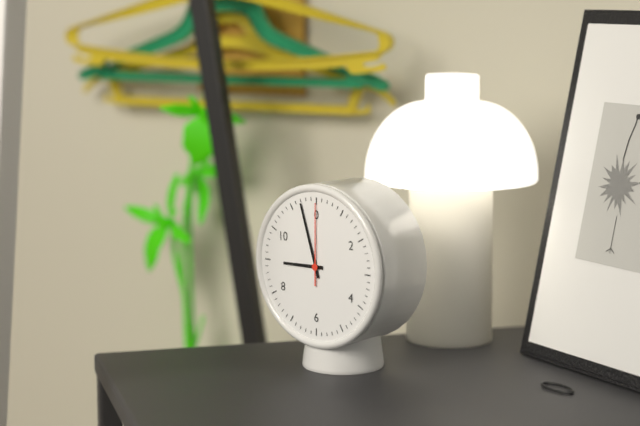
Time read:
**8:57:00**
